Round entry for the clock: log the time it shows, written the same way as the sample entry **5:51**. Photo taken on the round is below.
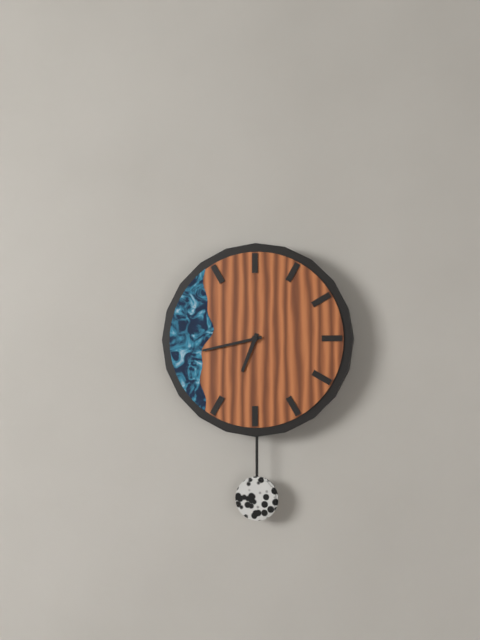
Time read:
**6:43**
